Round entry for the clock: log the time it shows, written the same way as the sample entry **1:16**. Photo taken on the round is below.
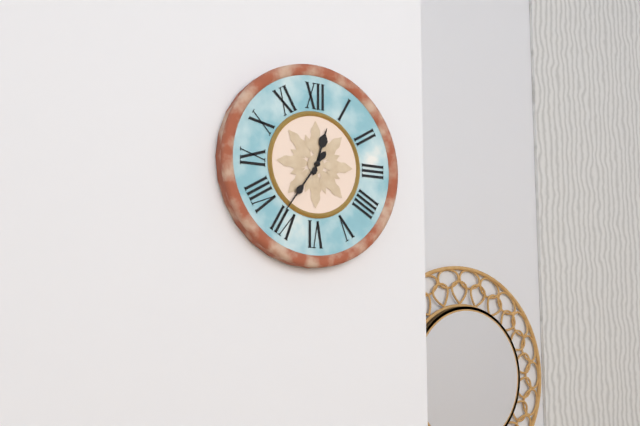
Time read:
**12:36**
